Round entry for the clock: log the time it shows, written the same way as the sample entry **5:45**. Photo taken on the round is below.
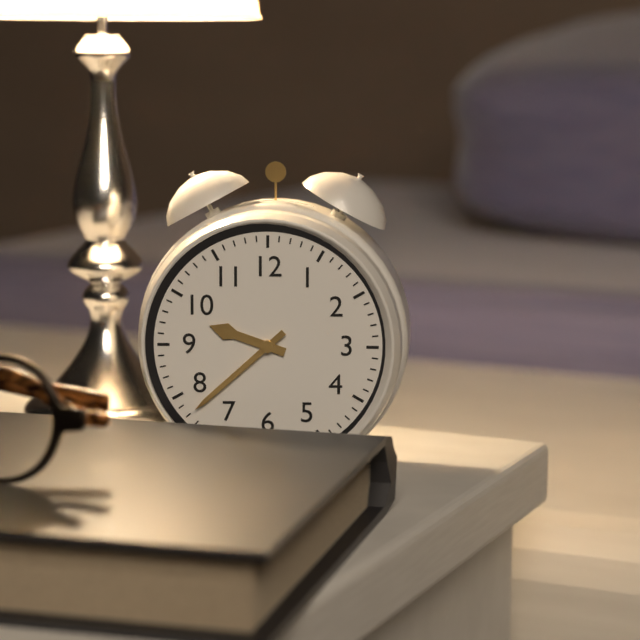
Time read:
**9:38**
